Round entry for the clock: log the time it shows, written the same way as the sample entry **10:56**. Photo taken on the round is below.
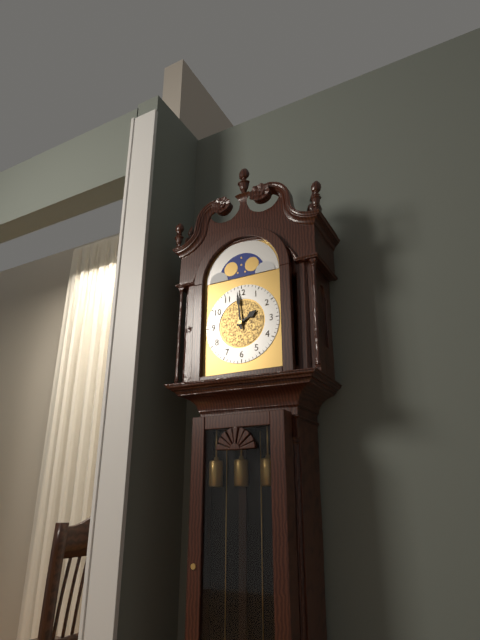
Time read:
**1:59**
